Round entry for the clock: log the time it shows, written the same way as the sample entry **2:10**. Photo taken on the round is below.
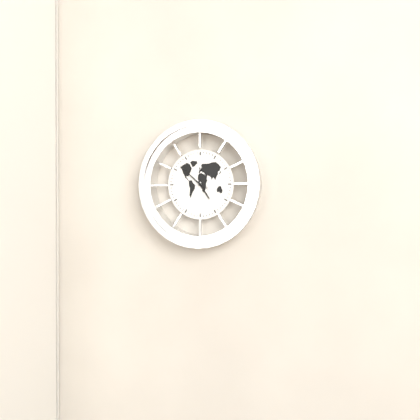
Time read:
**4:52**
